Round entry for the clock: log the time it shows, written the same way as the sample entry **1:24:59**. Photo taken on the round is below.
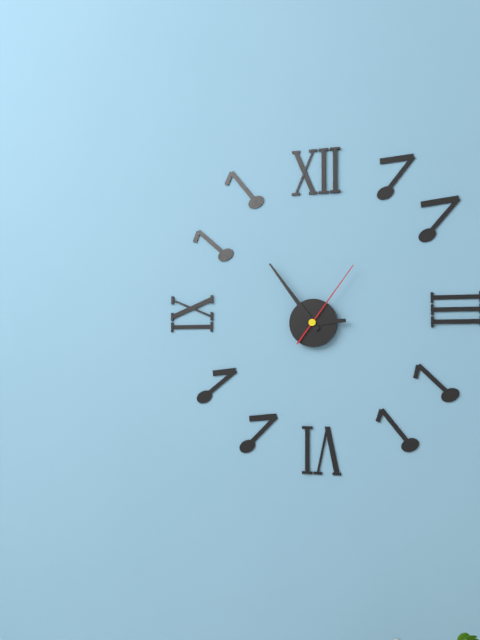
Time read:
**2:54:06**
